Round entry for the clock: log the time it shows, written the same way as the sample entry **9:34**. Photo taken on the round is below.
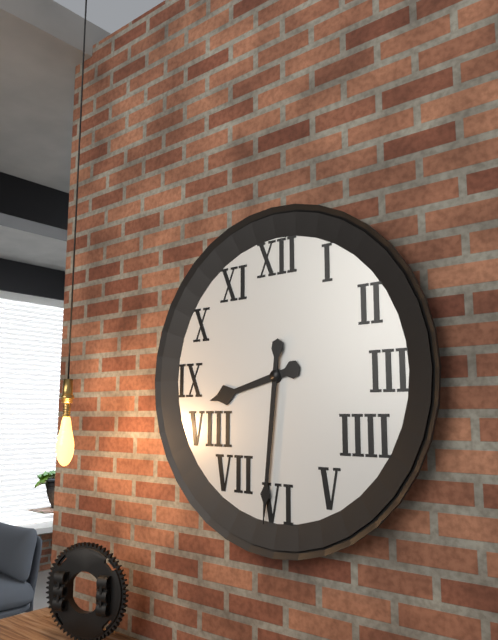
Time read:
**8:31**
